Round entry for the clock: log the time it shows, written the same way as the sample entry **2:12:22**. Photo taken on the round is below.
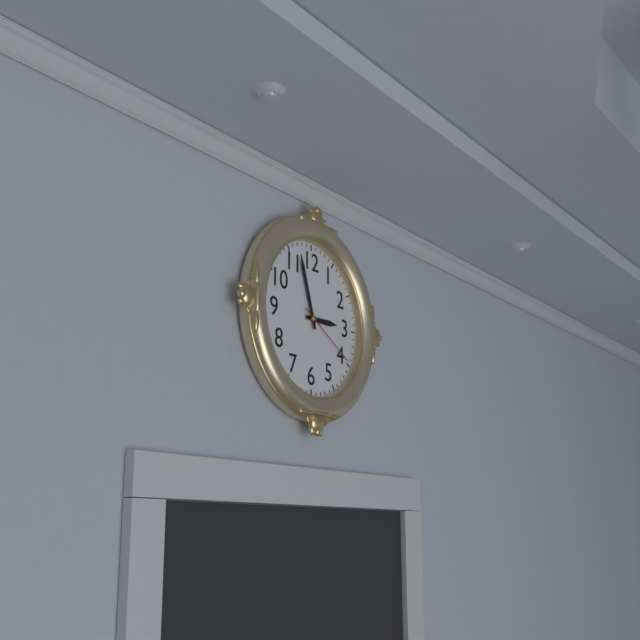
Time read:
**2:57:20**
